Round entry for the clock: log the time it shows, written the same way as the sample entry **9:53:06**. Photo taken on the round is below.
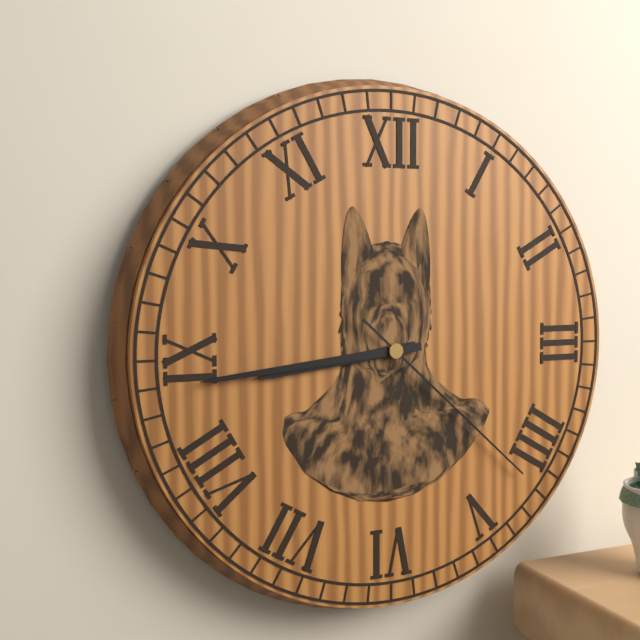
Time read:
**8:44:22**
